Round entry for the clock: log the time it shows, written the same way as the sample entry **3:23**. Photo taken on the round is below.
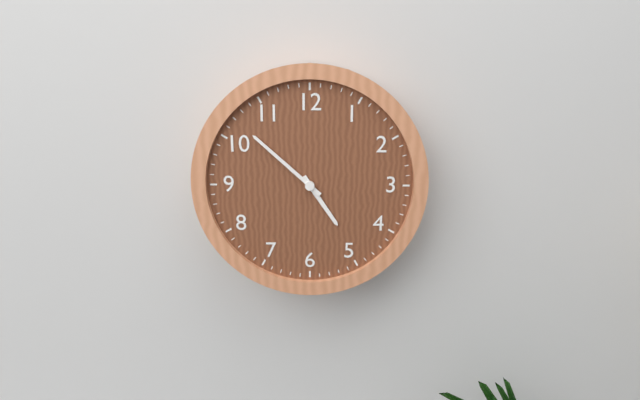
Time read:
**4:52**
